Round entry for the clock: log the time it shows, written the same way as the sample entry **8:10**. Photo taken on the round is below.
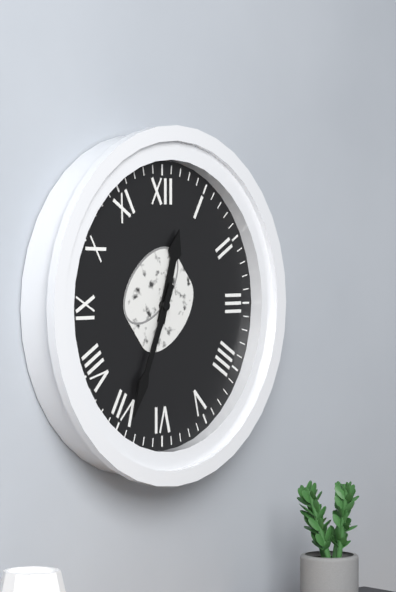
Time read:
**12:34**
